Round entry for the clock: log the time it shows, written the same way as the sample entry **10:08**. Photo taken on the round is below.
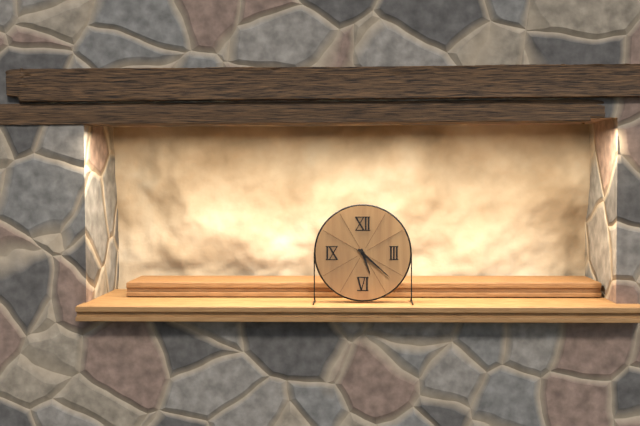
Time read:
**5:22**
